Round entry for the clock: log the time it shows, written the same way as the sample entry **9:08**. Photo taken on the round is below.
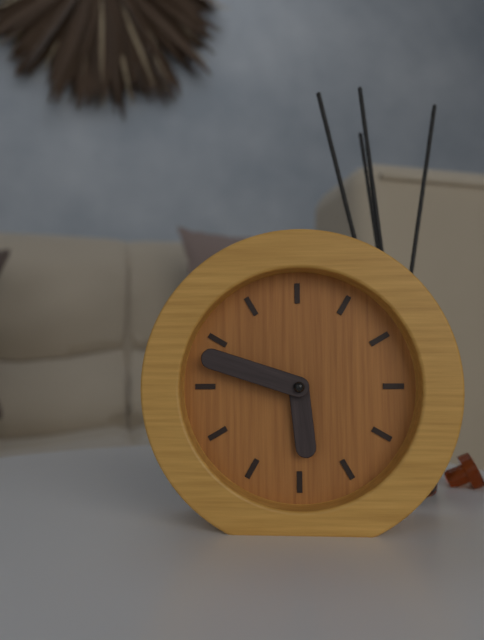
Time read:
**5:48**
